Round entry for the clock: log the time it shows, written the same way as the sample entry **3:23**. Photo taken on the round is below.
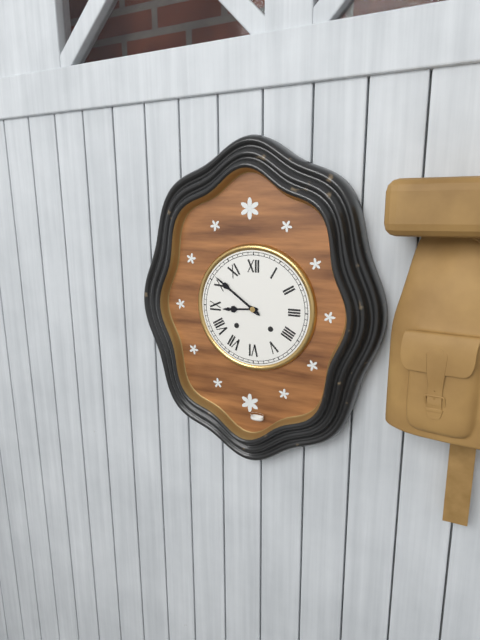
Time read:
**8:51**
